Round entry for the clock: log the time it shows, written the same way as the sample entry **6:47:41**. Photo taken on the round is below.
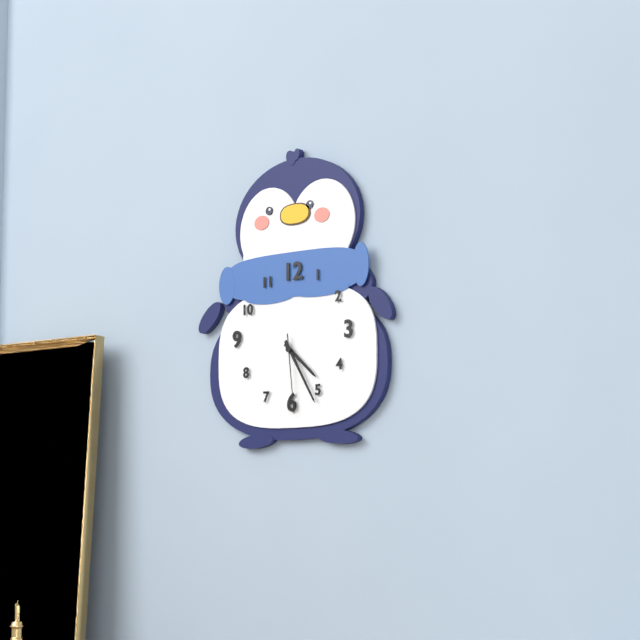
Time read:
**4:25:29**
